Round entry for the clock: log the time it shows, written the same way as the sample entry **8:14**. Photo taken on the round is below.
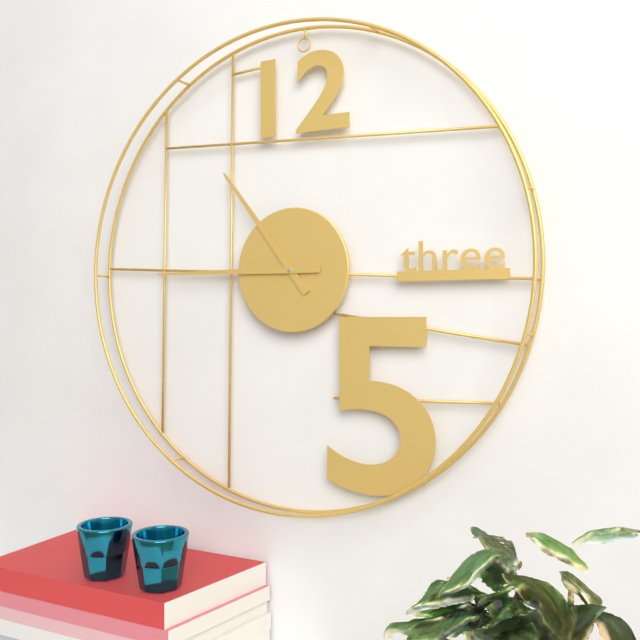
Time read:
**10:45**
